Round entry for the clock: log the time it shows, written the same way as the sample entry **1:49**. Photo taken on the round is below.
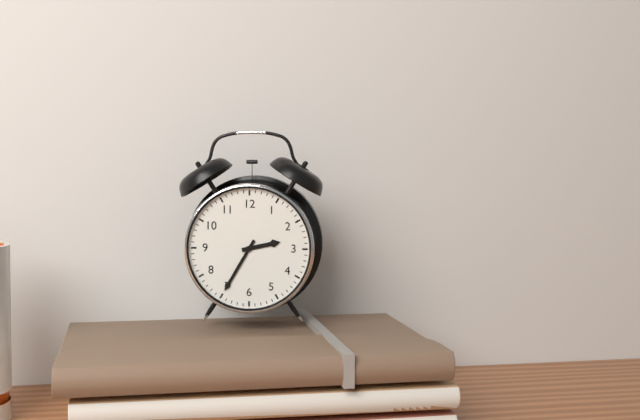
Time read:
**2:35**
